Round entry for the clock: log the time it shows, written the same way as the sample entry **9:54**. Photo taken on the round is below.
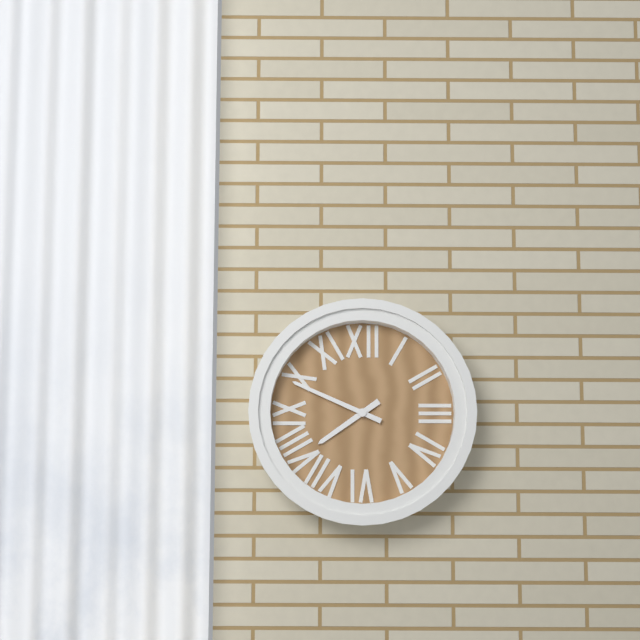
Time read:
**7:49**
